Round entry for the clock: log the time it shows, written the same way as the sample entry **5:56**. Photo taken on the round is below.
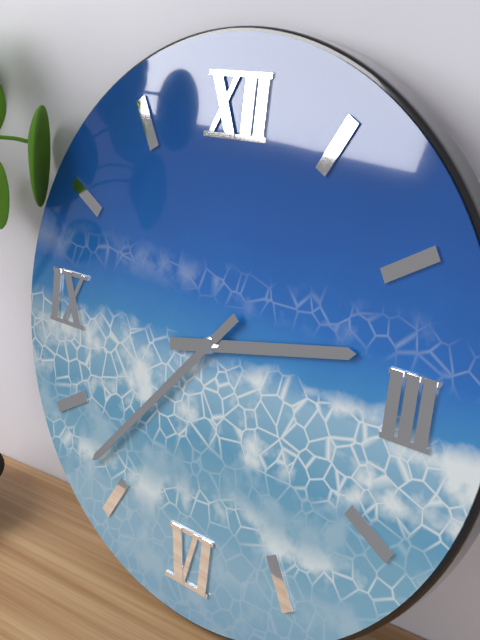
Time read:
**2:37**
